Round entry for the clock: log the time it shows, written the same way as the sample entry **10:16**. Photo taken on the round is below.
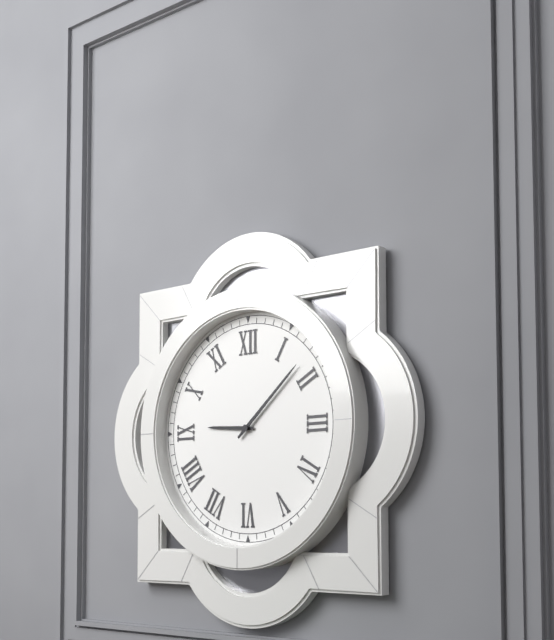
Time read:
**9:08**
